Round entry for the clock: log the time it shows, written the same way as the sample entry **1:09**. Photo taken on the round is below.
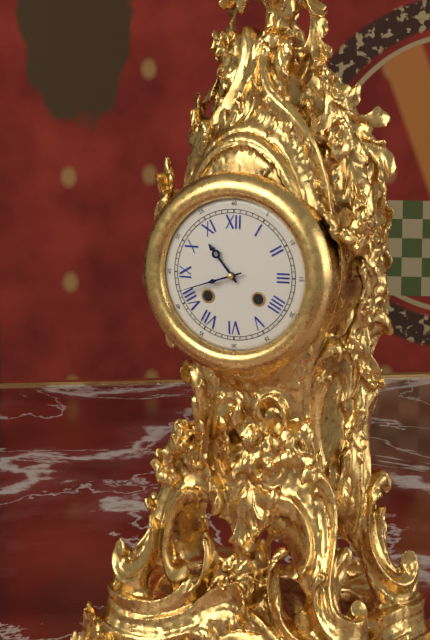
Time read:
**10:42**
